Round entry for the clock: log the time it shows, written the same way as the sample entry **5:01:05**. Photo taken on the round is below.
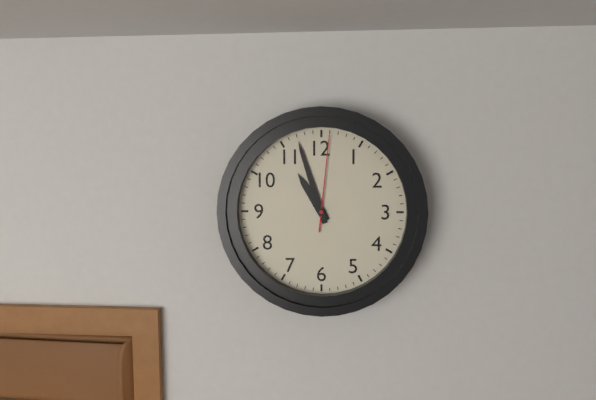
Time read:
**10:57:01**
